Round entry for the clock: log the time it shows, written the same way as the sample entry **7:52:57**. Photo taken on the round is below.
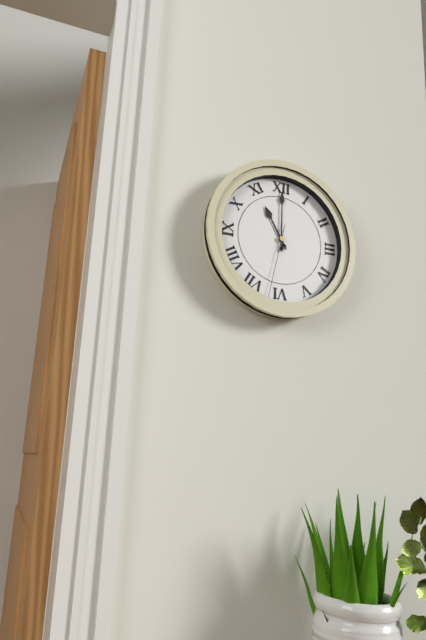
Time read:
**11:00:32**
